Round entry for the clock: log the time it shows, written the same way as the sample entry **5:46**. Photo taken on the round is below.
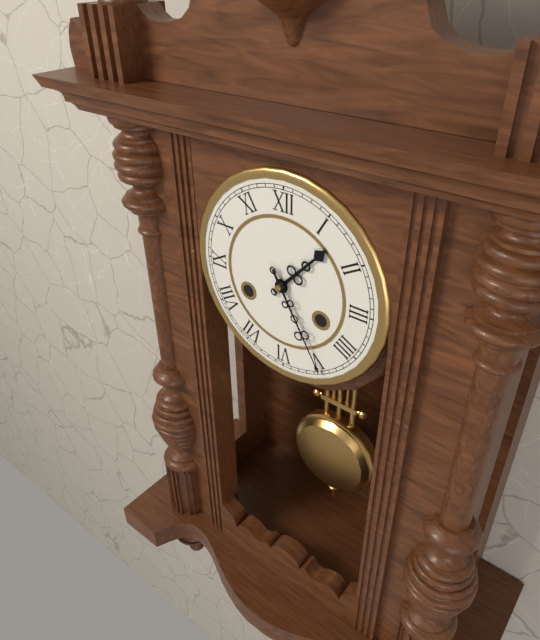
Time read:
**1:25**
